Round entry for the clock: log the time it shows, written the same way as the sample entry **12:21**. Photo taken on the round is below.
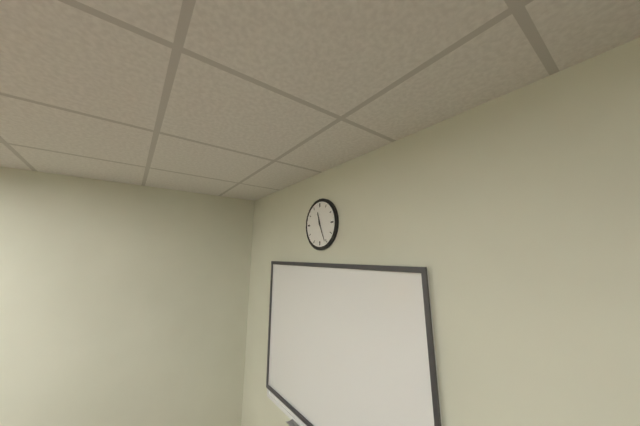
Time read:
**11:26**
